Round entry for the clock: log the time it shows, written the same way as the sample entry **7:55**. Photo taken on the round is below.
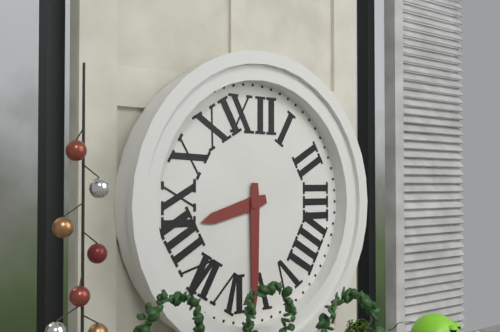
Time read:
**8:30**
